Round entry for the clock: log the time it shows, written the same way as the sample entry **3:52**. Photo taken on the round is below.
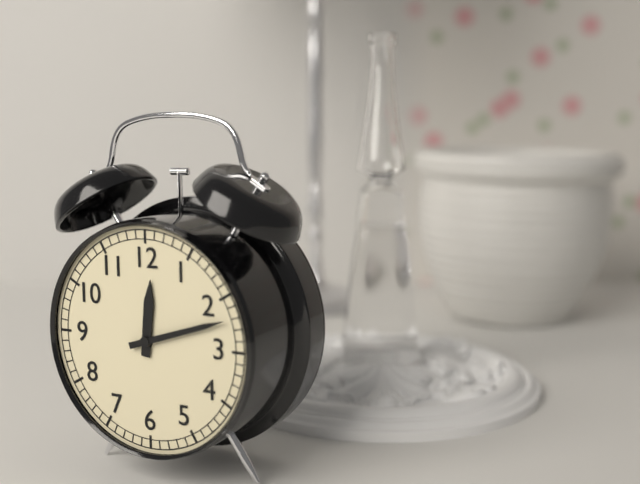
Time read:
**12:12**
